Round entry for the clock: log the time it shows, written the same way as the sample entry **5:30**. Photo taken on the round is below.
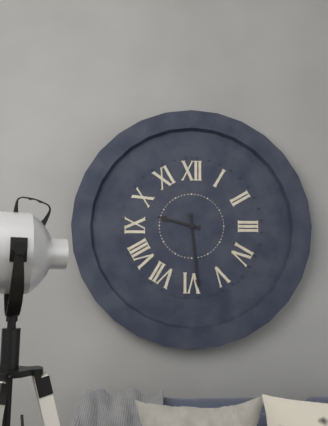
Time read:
**9:29**
